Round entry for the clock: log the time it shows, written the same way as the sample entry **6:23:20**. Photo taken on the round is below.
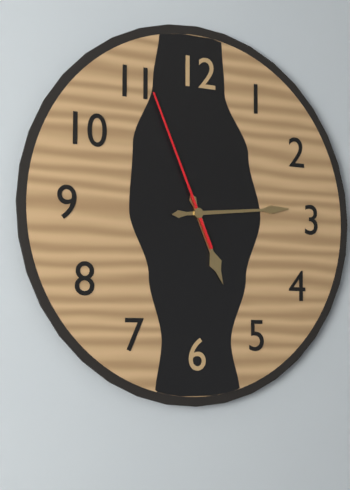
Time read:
**5:14:56**
